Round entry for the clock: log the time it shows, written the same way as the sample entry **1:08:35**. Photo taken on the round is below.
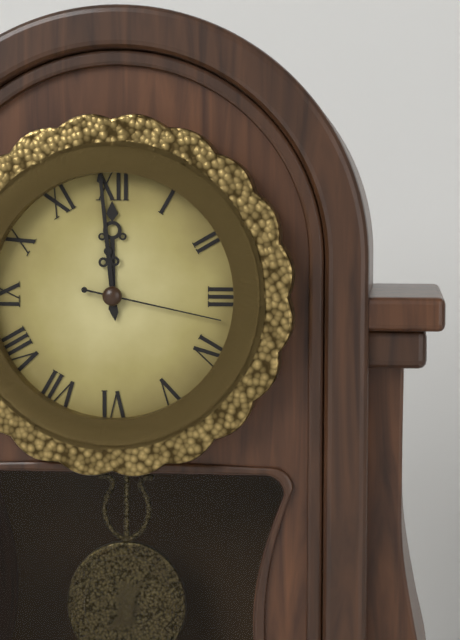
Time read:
**11:59:17**
